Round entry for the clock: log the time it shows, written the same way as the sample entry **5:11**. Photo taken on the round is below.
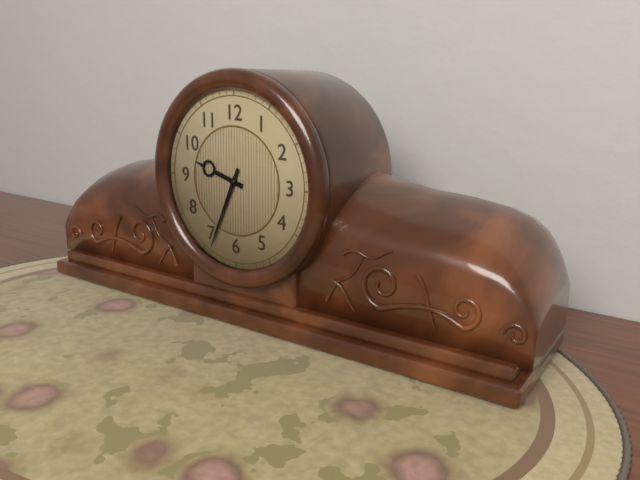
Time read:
**9:34**
